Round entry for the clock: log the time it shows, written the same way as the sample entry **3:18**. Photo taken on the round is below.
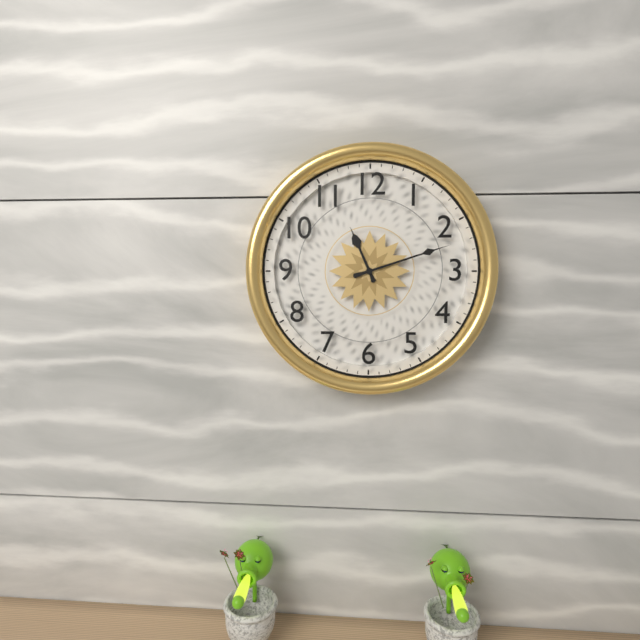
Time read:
**11:12**
